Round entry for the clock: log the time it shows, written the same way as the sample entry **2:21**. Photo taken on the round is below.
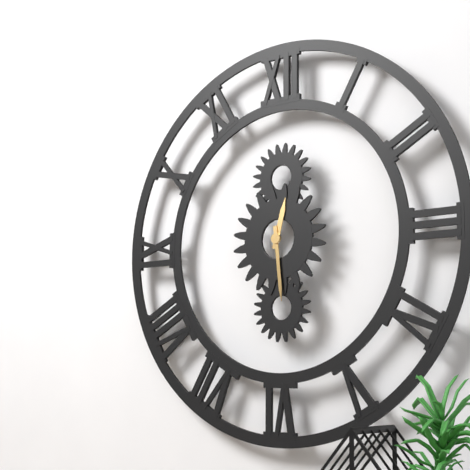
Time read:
**12:29**
